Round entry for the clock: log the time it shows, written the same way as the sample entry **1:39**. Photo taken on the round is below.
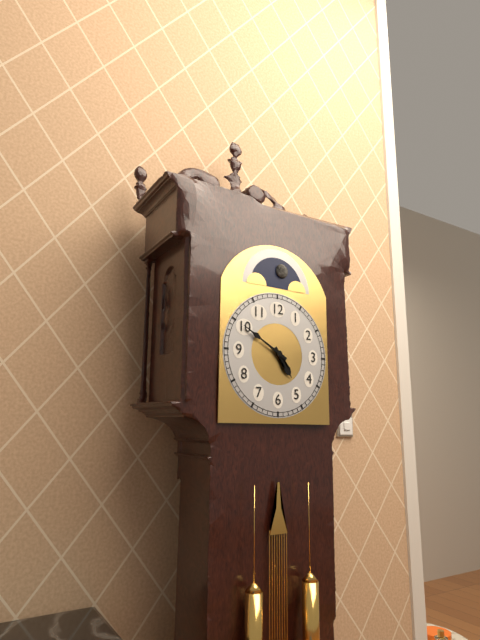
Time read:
**4:50**
